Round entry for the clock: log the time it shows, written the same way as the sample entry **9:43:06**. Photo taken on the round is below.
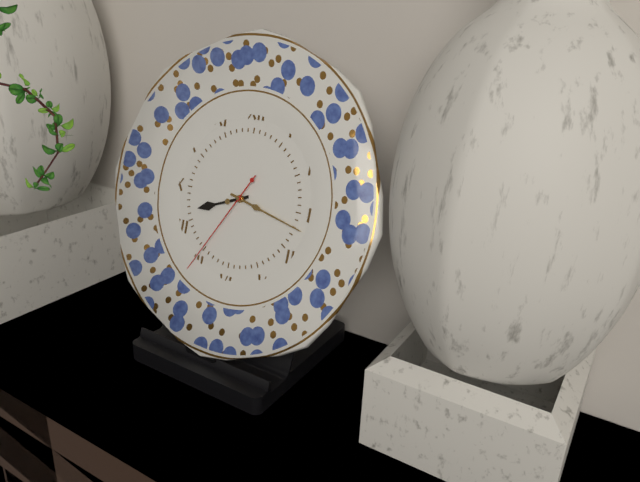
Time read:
**8:17:35**
